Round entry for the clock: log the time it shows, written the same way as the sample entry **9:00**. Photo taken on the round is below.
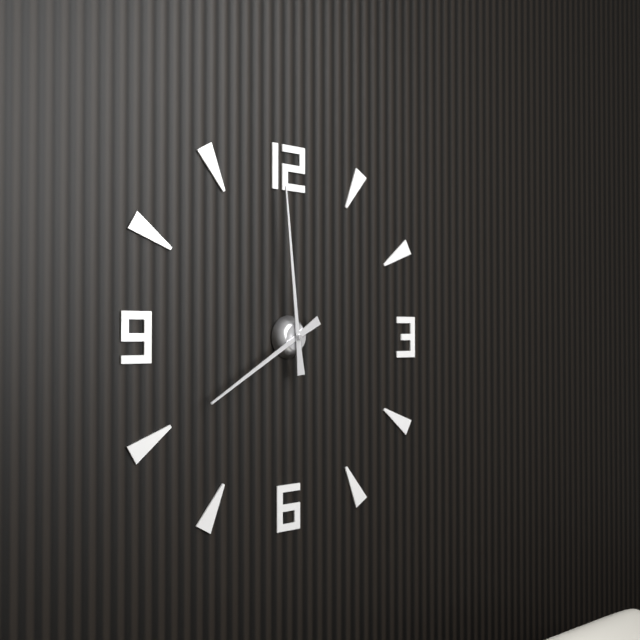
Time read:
**7:59**
